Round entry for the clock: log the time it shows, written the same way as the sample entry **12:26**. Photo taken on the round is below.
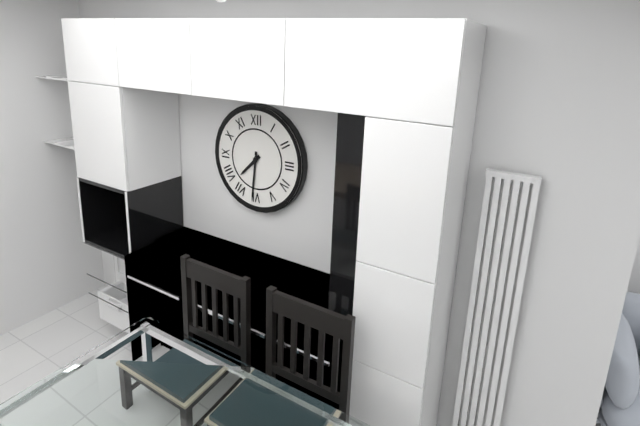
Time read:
**7:31**
